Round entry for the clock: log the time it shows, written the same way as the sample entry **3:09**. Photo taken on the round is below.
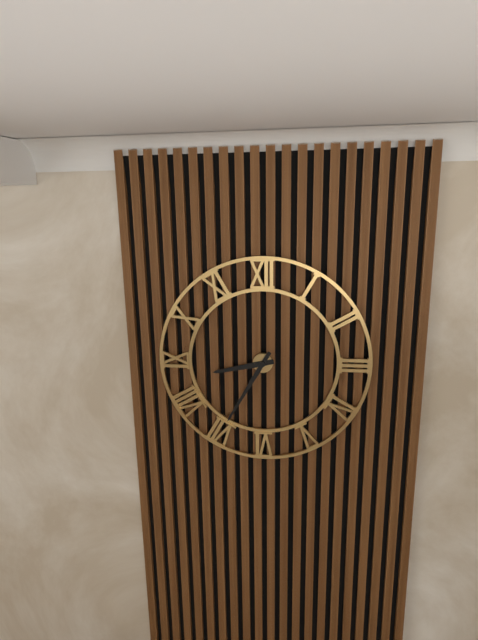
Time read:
**8:35**
